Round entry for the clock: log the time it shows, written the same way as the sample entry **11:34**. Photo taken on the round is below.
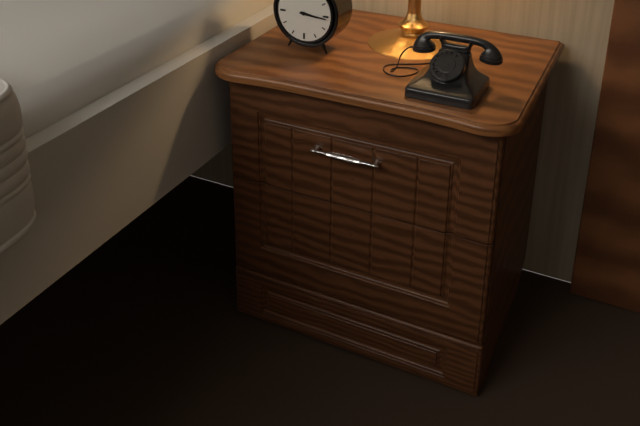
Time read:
**3:16**
